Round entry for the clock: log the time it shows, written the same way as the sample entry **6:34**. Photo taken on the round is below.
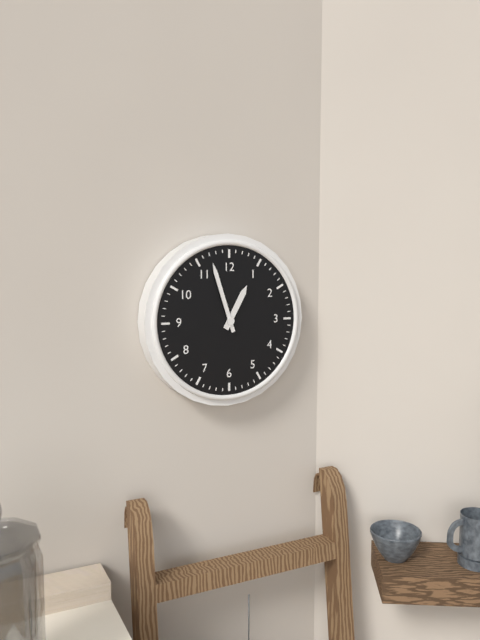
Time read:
**12:57**
